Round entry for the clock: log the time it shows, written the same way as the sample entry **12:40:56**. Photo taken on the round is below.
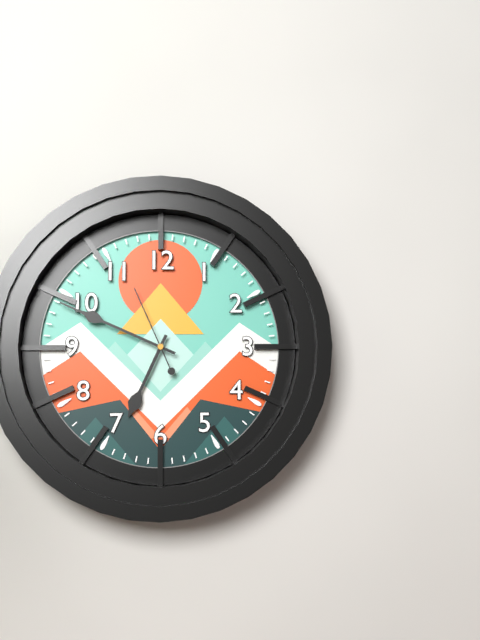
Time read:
**6:49:56**
